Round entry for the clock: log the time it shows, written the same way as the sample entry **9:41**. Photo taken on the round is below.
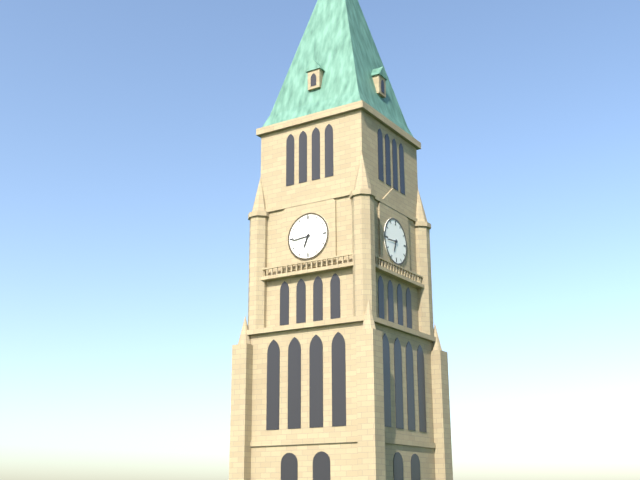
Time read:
**6:44**
